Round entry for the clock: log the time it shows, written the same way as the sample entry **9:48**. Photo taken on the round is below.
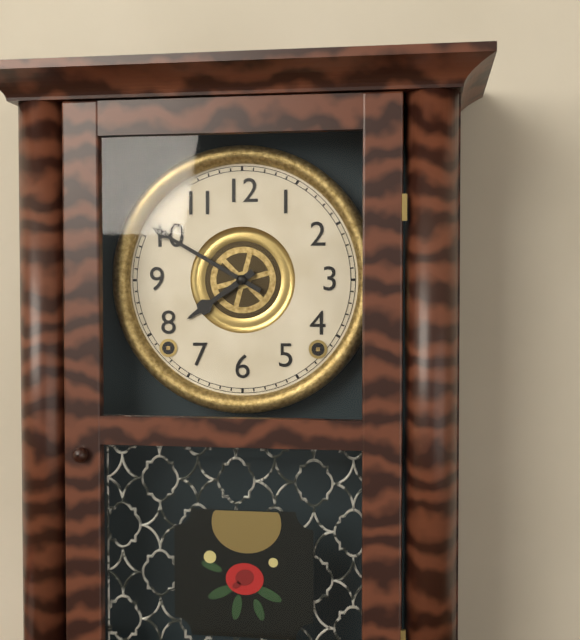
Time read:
**7:50**
